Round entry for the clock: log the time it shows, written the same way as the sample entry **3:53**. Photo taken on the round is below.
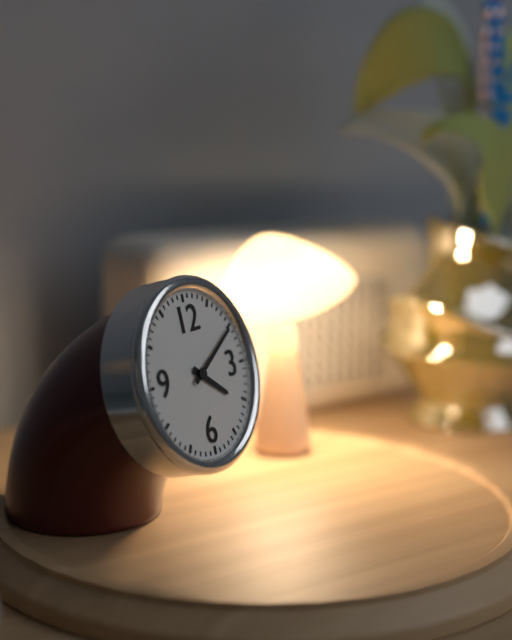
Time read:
**4:10**
